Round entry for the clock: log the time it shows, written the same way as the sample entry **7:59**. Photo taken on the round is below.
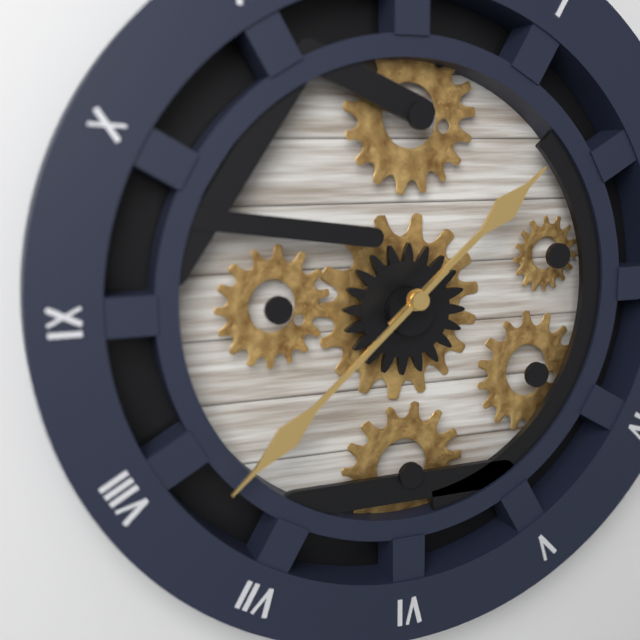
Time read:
**1:38**
